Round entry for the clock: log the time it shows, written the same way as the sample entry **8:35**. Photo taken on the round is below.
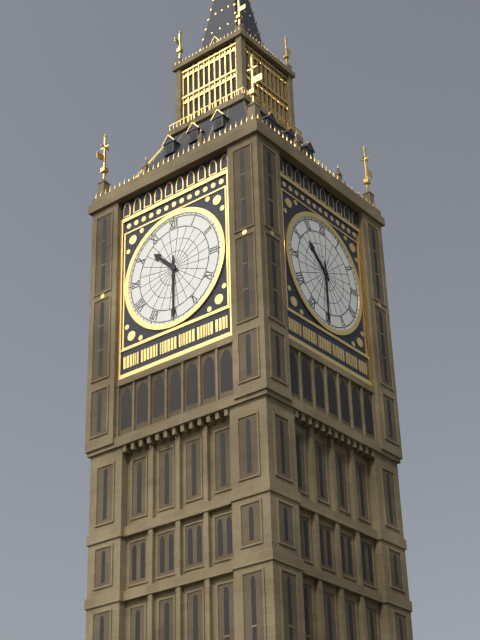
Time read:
**10:30**
